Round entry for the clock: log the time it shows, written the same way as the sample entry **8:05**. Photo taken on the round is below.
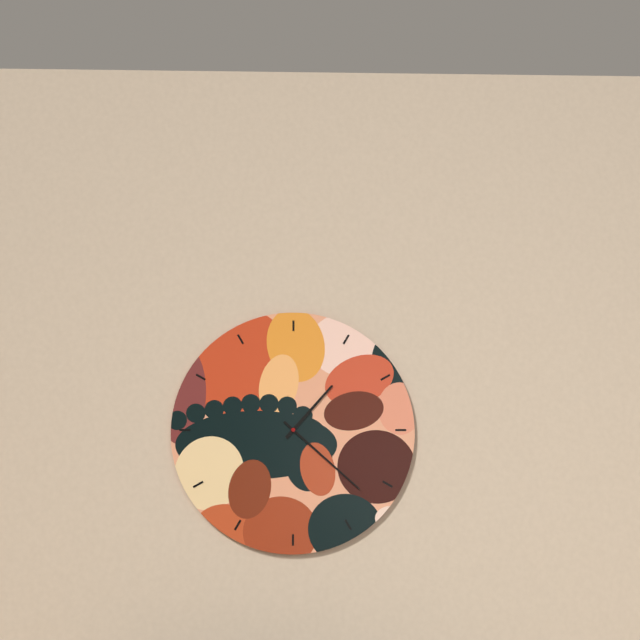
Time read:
**1:22**
